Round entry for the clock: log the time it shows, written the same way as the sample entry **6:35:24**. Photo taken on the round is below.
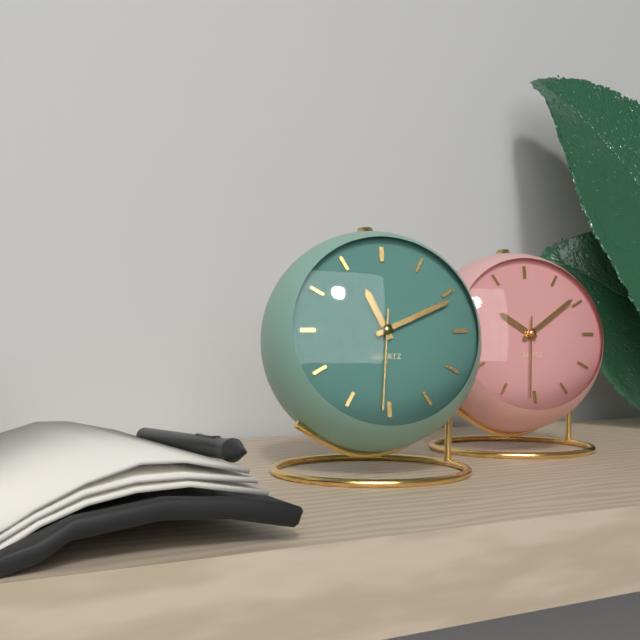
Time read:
**11:11:31**
